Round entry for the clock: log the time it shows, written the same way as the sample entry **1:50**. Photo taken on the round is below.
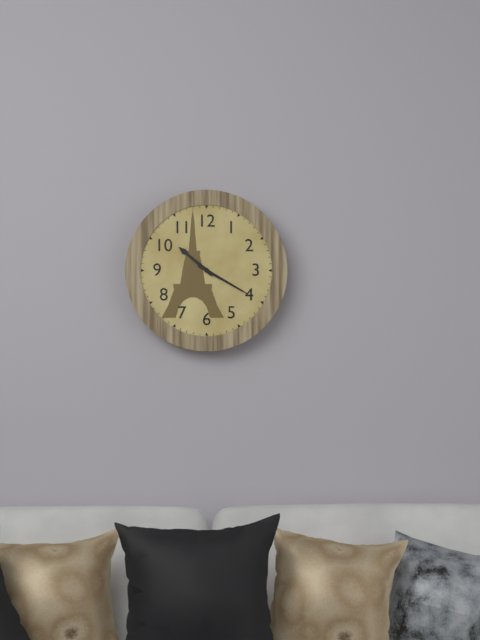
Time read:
**10:20**
